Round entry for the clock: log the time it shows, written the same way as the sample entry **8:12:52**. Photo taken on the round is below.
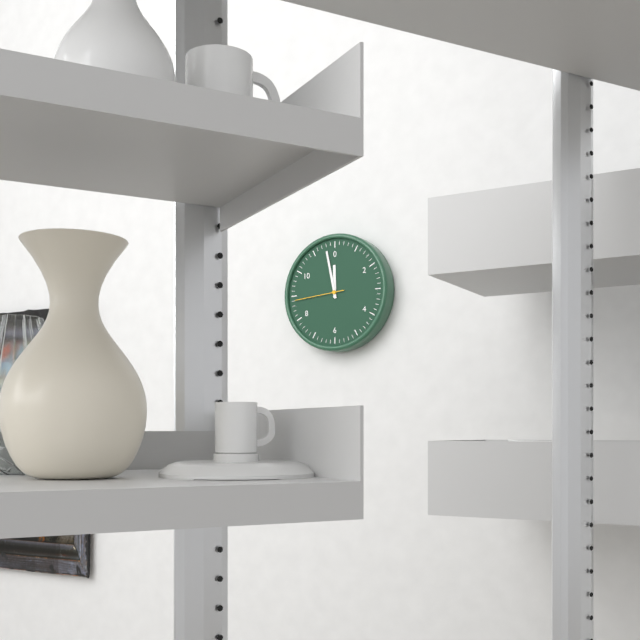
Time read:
**11:58:44**
